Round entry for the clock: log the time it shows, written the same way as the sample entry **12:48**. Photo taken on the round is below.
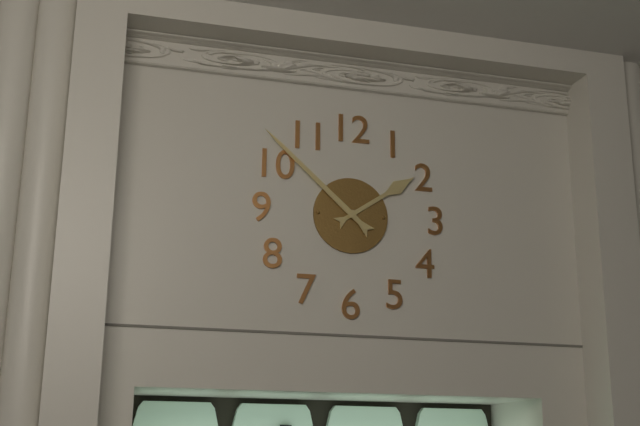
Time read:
**1:52**
